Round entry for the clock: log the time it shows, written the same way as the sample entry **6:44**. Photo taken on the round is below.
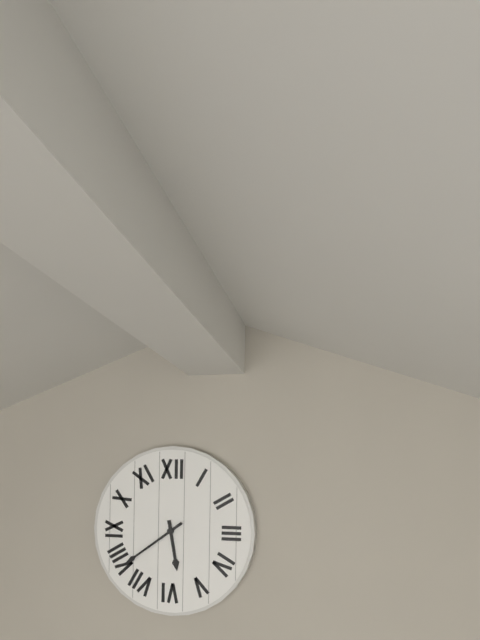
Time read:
**5:39**
